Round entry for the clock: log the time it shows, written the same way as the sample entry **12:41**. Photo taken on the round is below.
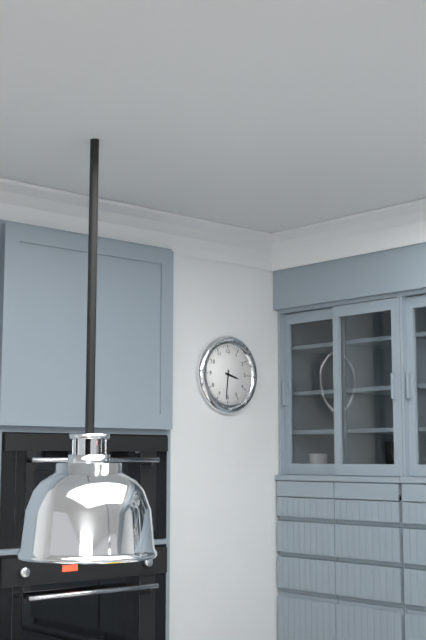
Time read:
**3:31**
